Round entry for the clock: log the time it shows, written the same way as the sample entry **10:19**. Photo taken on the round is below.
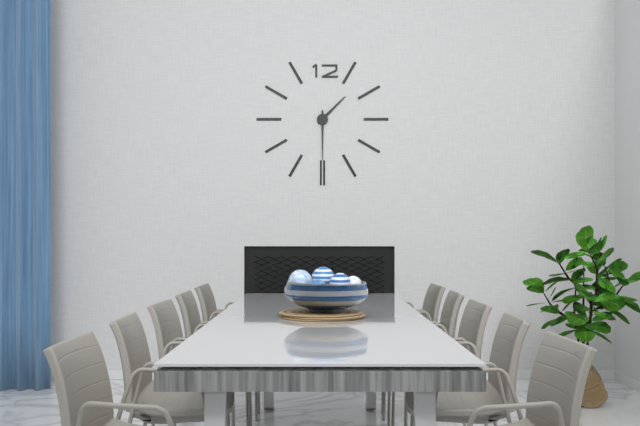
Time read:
**1:30**
